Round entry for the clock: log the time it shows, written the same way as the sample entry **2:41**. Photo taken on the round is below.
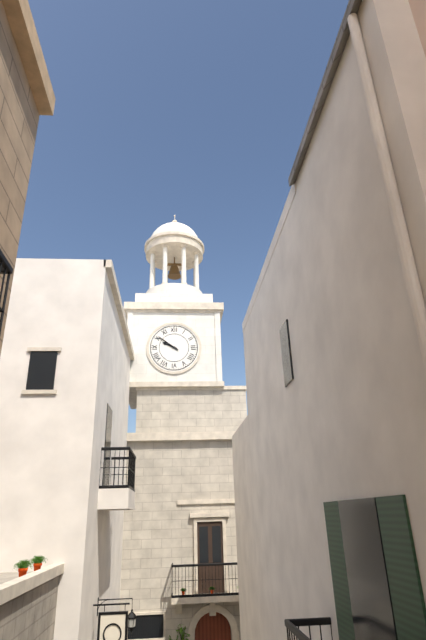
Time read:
**9:51**
